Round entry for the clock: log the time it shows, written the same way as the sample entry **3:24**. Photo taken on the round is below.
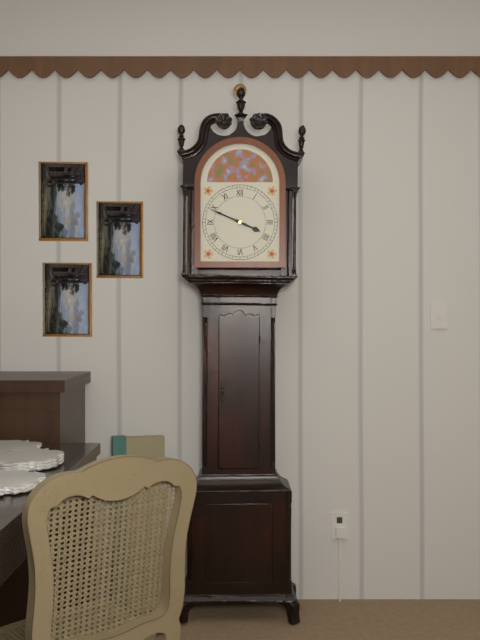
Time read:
**3:49**
